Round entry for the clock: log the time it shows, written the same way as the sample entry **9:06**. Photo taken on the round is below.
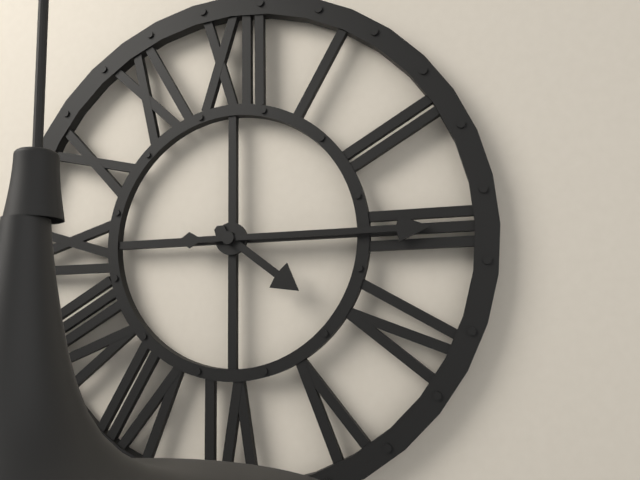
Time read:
**4:15**
